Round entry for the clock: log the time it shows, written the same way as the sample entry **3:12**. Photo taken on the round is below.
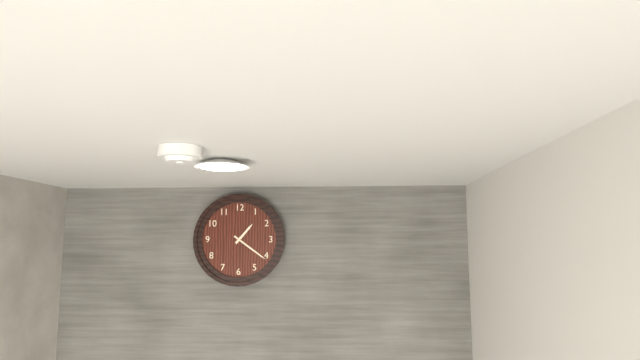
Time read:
**1:21**
